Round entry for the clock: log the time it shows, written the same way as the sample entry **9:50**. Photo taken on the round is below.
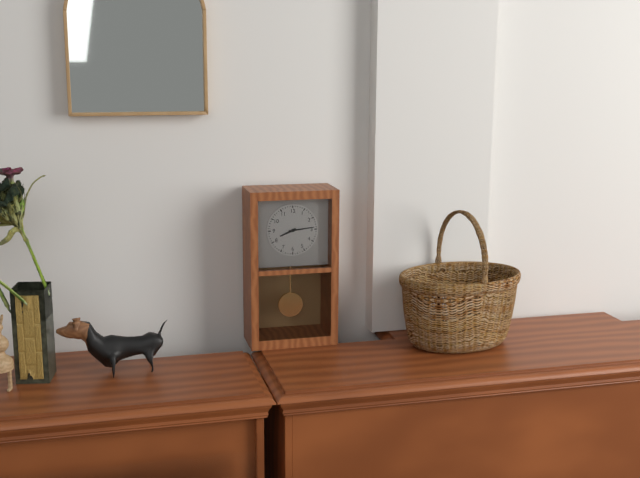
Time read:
**8:14**
